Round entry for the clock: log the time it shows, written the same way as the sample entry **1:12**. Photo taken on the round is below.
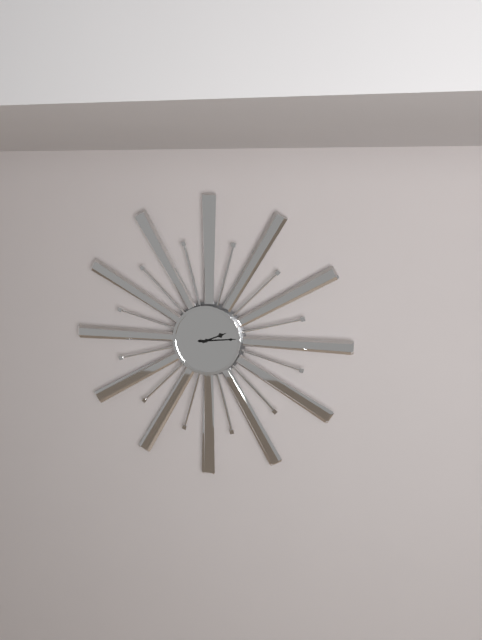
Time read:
**2:14**
